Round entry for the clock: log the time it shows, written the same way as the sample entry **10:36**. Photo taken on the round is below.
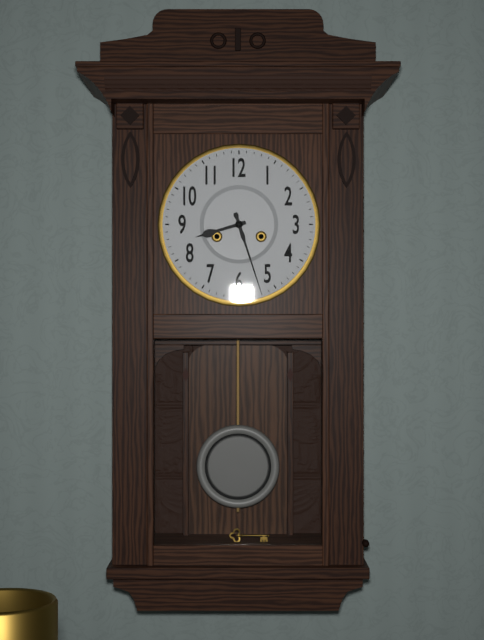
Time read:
**8:27**
